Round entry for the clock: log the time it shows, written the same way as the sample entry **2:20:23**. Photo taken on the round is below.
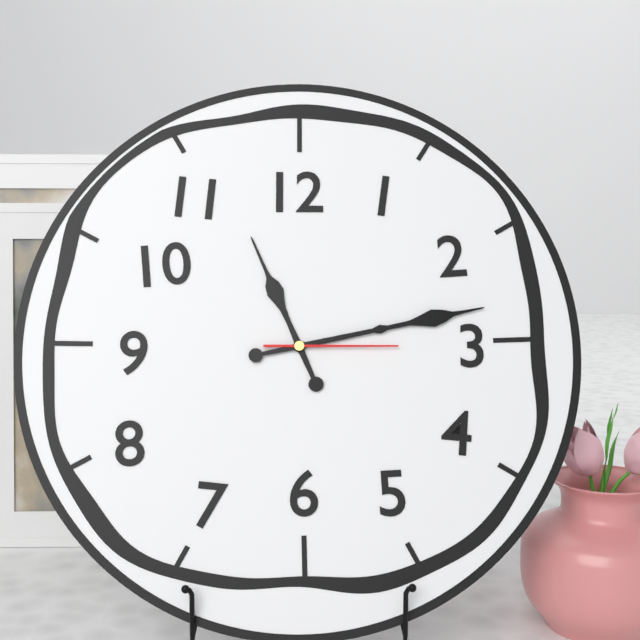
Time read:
**11:13:15**
